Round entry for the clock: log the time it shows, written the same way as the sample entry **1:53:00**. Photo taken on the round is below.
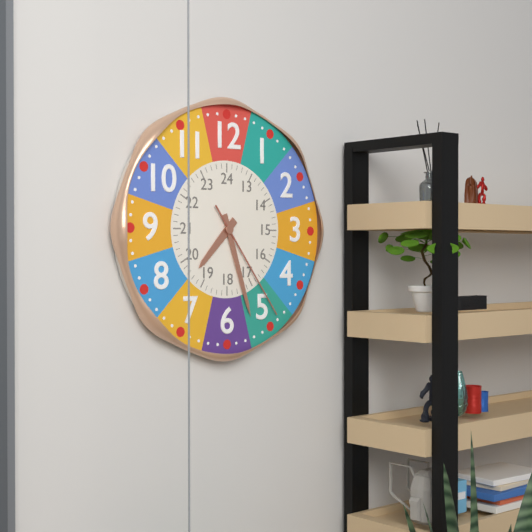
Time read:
**7:27:24**
